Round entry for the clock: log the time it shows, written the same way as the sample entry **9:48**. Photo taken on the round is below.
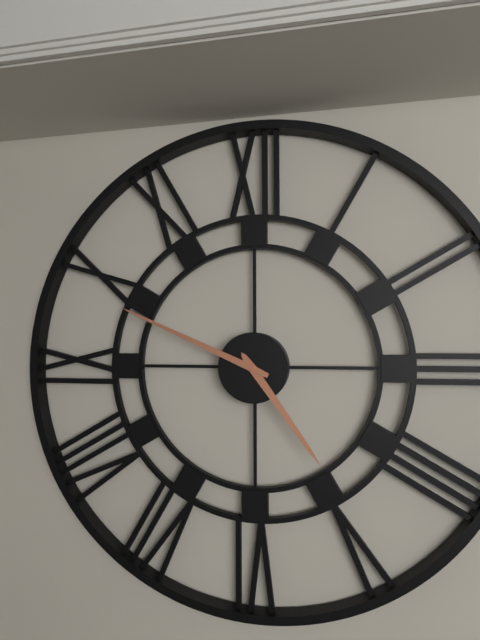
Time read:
**4:49**
